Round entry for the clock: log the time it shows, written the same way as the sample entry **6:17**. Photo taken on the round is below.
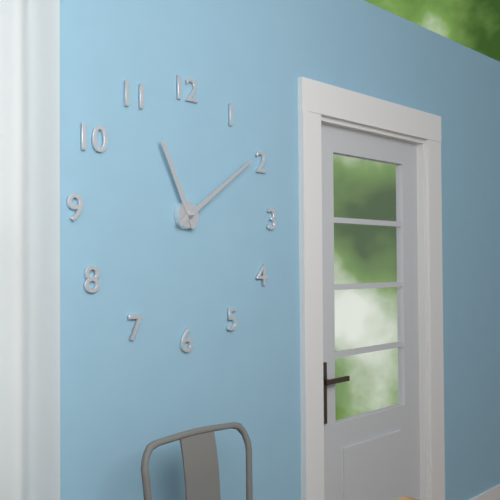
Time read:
**11:09**
